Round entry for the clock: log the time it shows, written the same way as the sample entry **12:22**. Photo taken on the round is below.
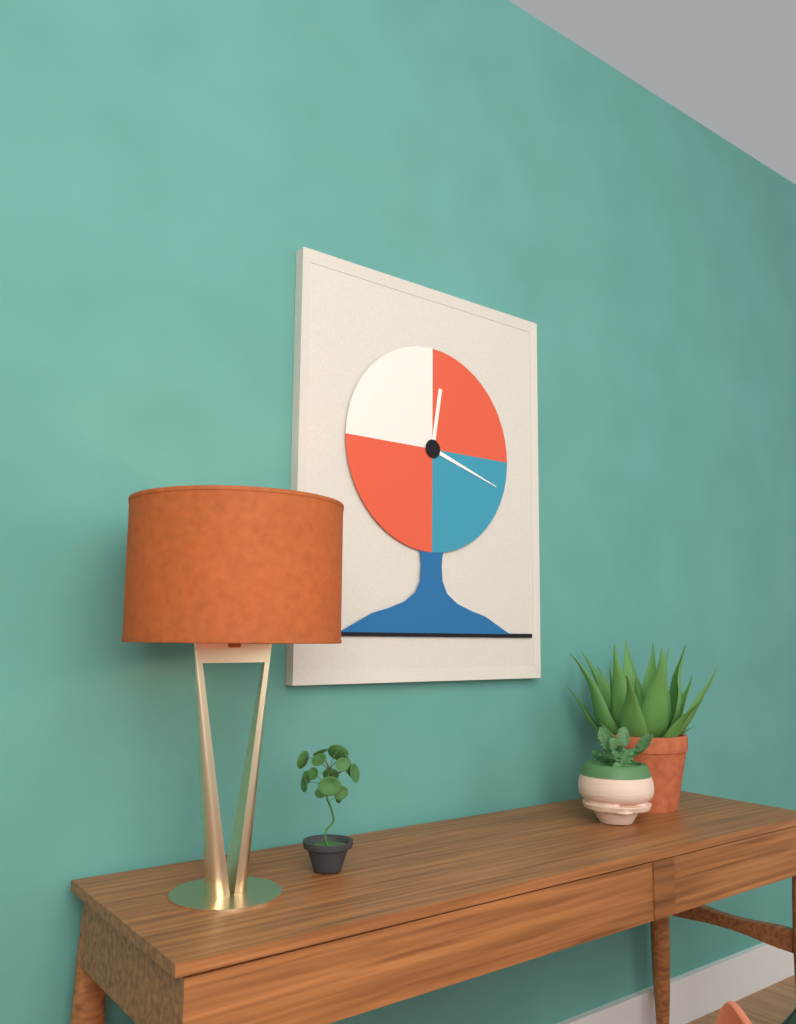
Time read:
**12:18**
